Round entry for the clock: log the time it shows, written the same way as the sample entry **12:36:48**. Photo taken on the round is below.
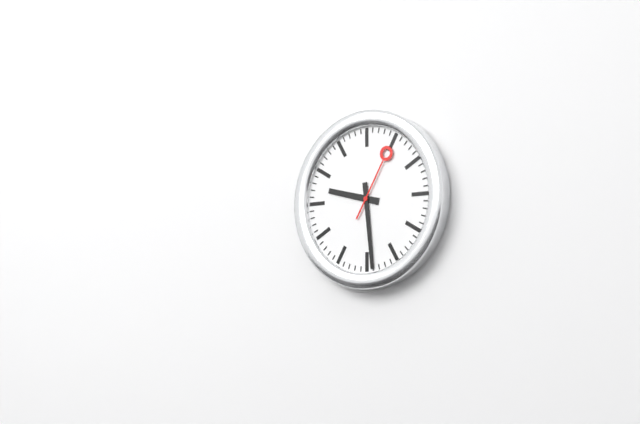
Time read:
**9:29:05**
